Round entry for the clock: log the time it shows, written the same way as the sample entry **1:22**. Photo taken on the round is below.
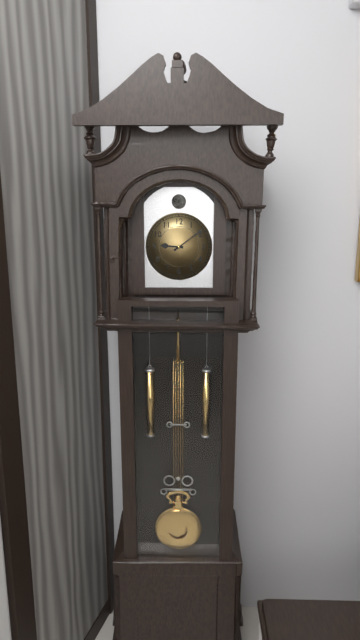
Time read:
**9:09**
